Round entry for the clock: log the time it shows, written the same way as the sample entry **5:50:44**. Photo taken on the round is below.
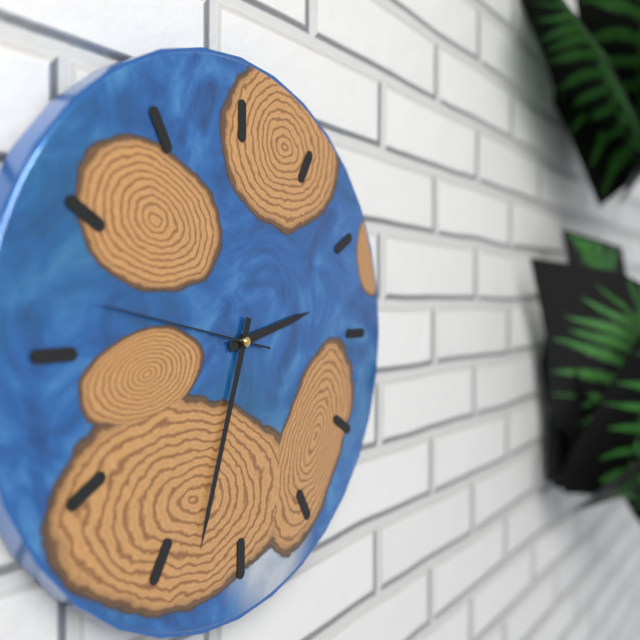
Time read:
**2:33:47**
